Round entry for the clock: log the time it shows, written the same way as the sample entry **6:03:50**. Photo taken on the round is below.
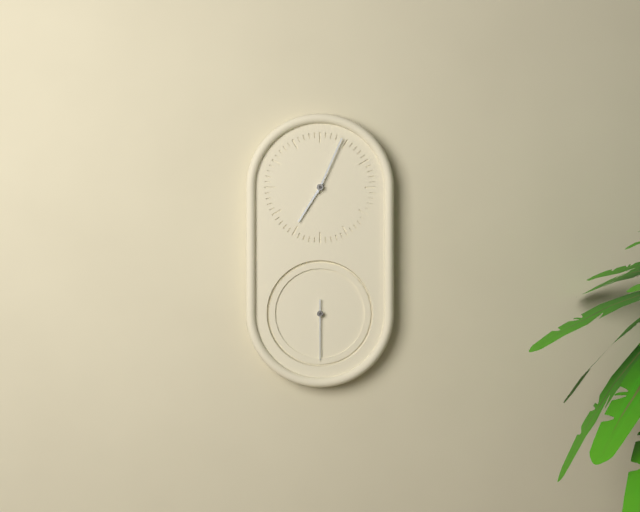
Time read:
**7:04:30**
